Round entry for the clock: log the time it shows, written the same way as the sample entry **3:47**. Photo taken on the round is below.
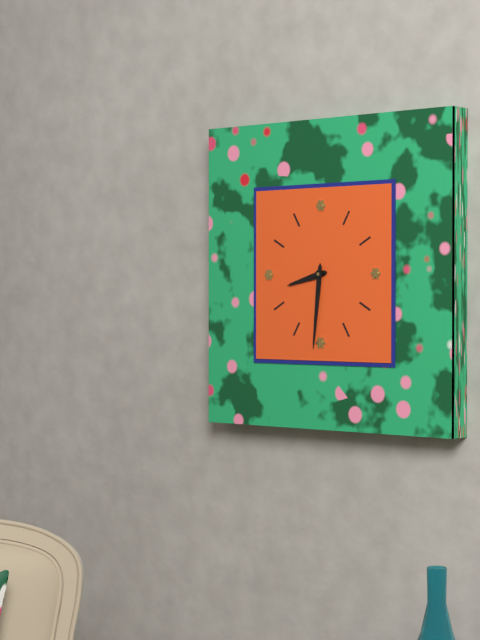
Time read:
**8:31**
